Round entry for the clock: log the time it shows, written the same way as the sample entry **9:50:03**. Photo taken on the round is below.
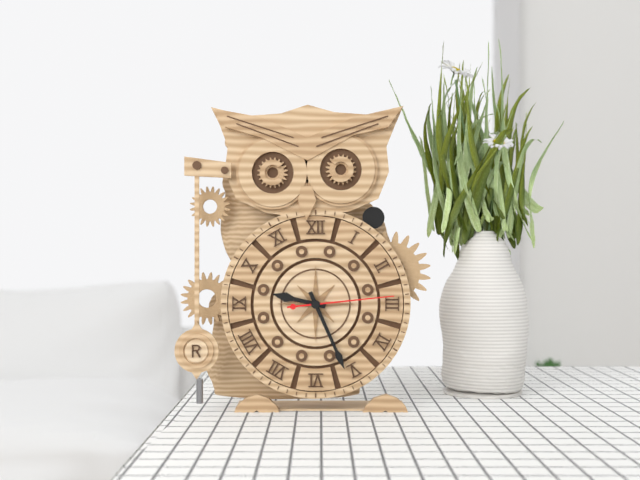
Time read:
**9:26:14**
